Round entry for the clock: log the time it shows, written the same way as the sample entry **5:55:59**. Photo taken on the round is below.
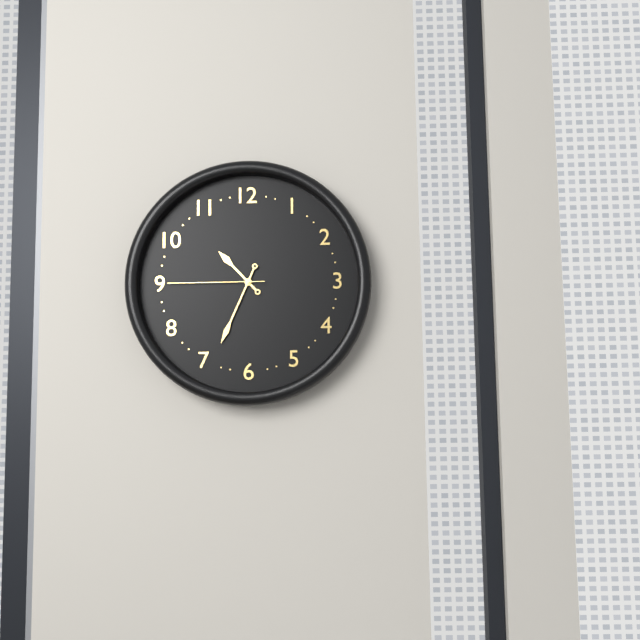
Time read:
**10:34:45**
